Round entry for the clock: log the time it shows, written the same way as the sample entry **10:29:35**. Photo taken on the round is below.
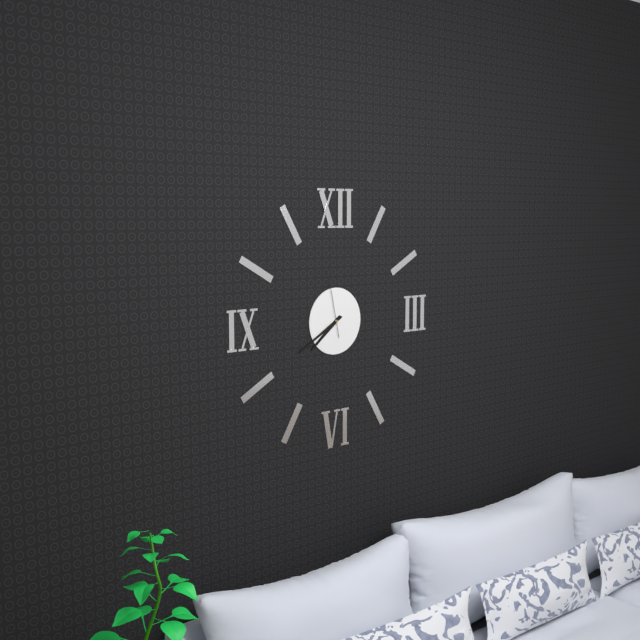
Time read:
**7:40:58**
